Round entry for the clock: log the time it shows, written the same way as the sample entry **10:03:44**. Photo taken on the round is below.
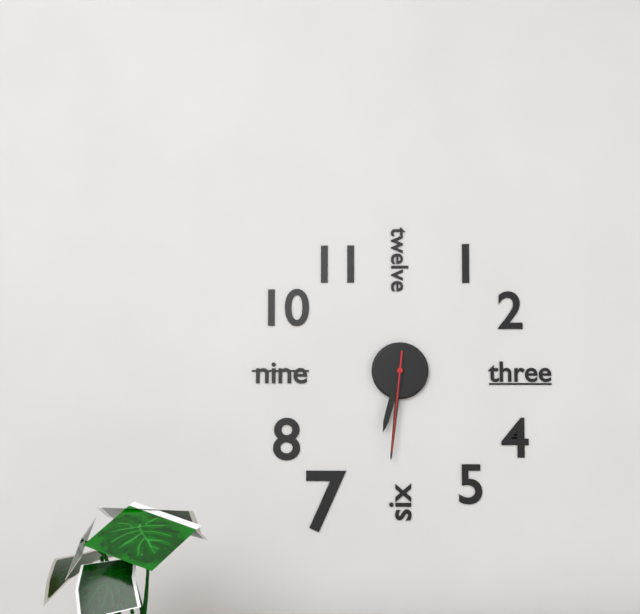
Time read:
**6:31:31**
